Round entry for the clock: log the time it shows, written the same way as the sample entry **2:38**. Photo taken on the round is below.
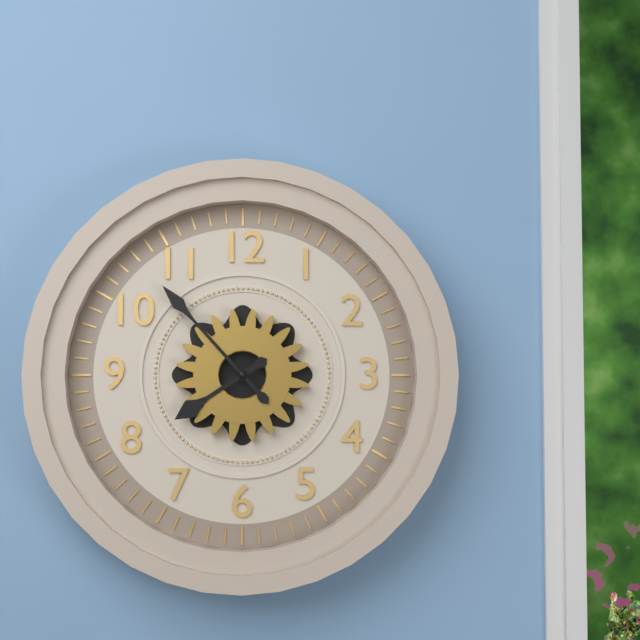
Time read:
**7:53**
